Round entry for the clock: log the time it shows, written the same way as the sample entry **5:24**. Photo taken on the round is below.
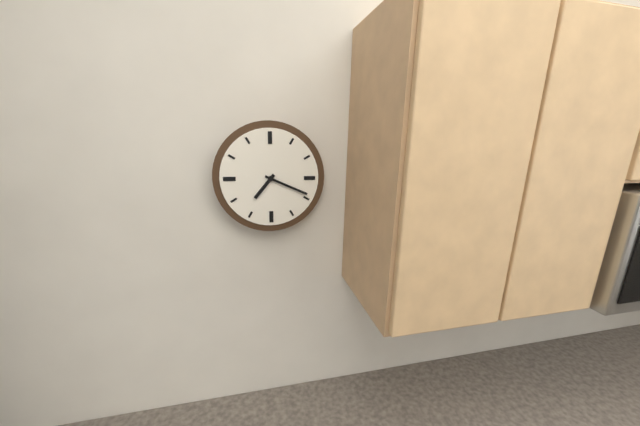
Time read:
**7:19**
